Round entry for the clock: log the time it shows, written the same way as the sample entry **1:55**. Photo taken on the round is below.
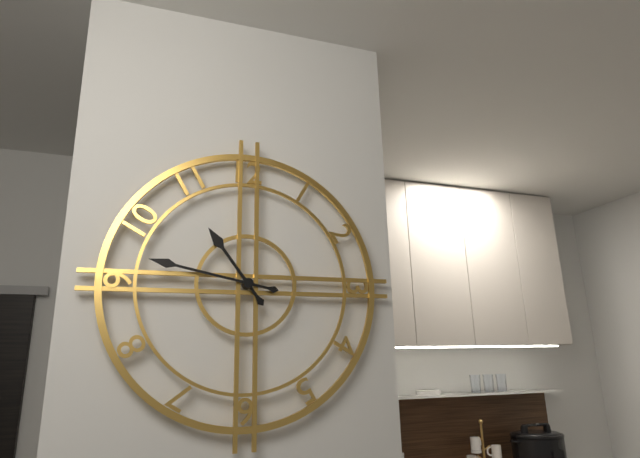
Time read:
**10:47**
